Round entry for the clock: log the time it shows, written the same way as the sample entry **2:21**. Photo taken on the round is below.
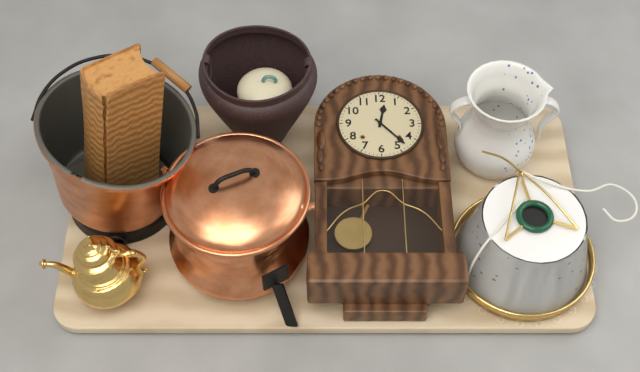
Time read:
**12:23**
